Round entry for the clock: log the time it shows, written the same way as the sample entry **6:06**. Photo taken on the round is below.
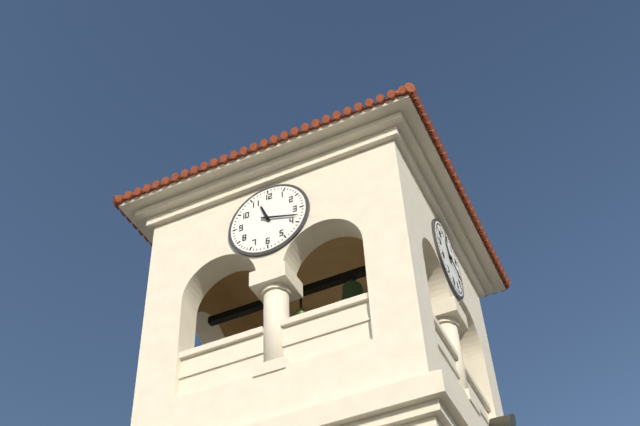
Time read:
**11:18**
